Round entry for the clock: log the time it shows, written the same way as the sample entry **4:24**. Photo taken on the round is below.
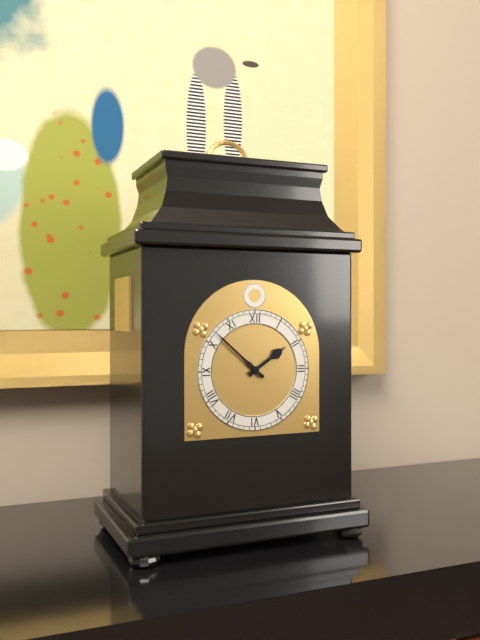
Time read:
**1:52**
